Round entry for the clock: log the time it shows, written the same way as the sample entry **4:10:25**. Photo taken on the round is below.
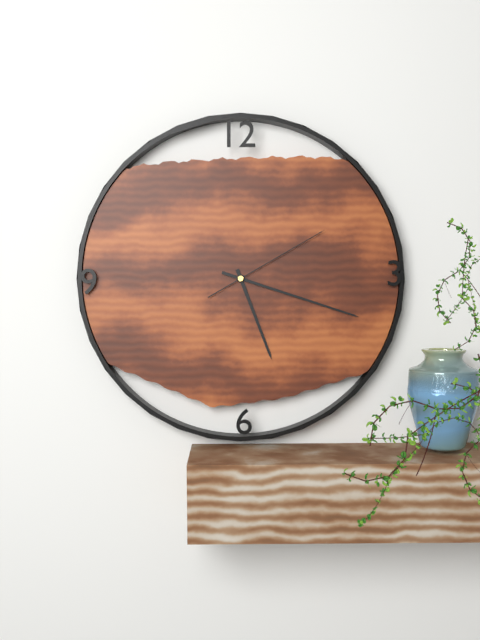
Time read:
**5:18:10**
